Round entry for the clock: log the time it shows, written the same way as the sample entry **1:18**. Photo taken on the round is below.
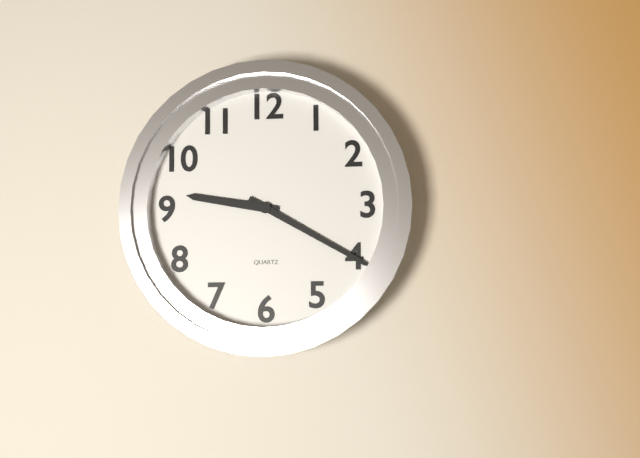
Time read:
**9:20**
